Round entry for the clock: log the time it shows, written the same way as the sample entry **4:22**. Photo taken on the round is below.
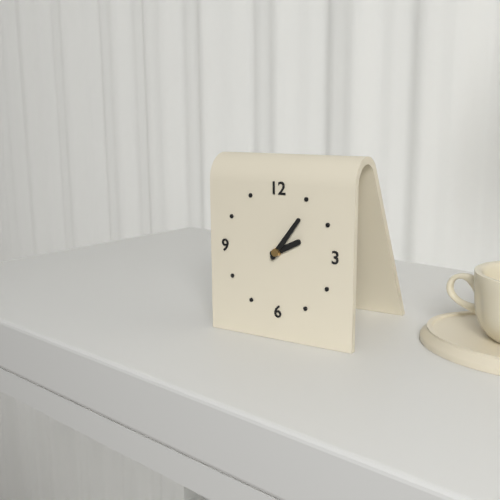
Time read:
**2:06**
